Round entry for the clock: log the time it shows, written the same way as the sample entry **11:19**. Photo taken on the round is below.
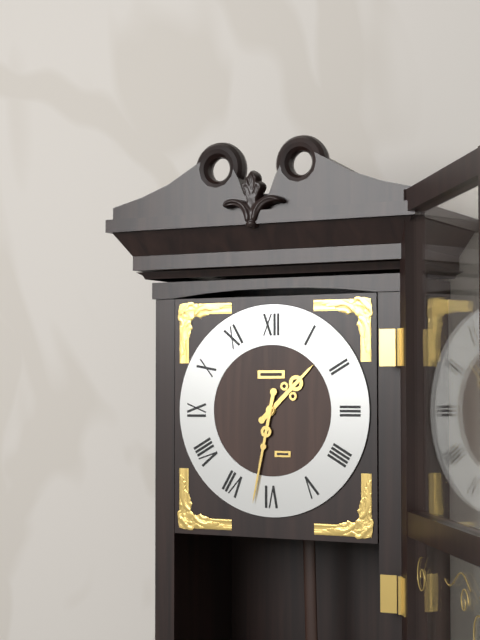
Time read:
**1:32**
